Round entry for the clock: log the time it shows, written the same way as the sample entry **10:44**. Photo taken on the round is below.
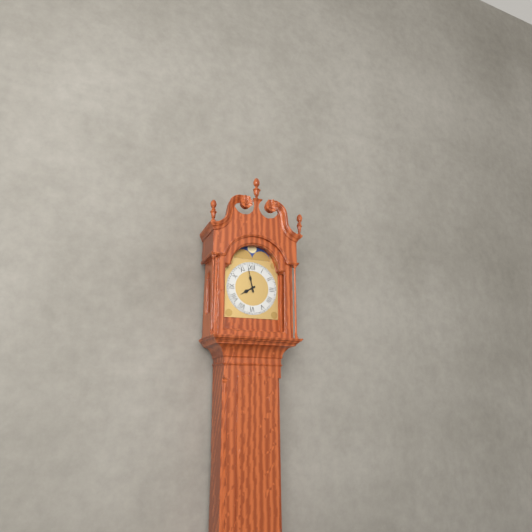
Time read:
**7:58**
